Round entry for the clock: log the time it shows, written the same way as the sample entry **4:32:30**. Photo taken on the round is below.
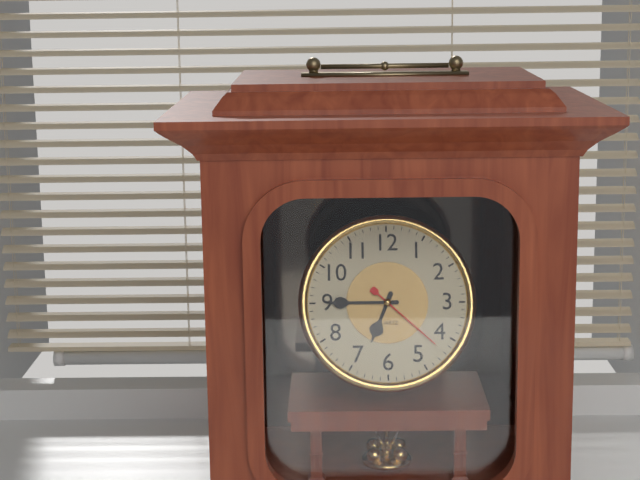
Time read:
**6:45:22**
